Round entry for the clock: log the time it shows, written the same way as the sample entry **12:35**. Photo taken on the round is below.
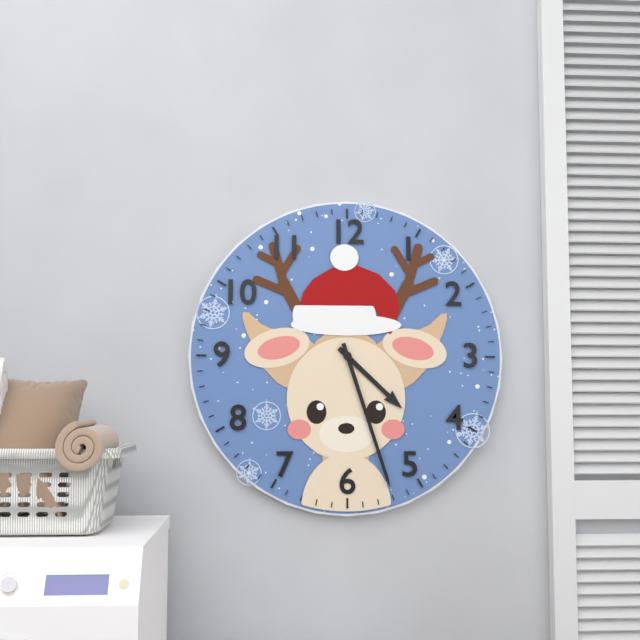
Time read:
**4:27**
